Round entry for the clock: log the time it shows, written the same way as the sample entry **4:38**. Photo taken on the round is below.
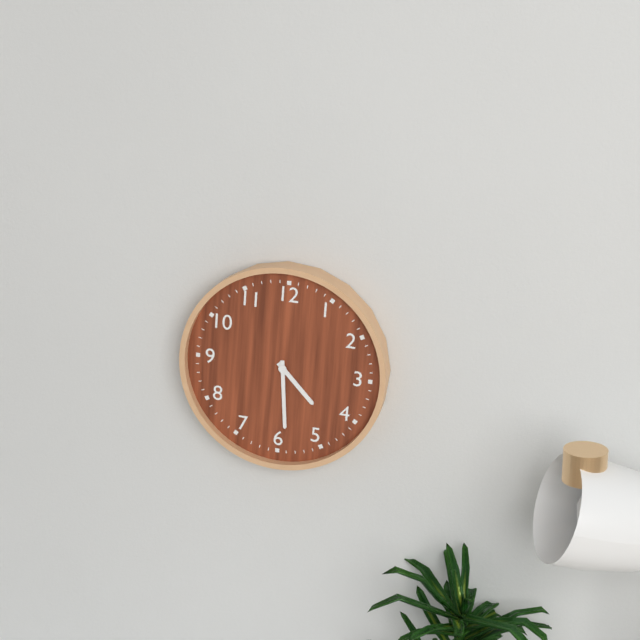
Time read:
**4:29**
